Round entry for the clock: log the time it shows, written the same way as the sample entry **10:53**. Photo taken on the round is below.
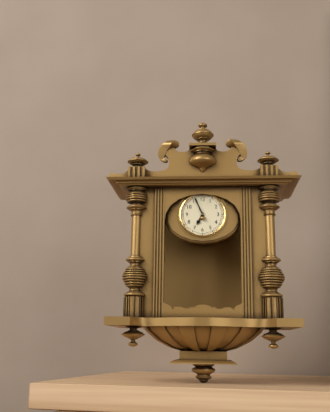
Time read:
**6:56**
